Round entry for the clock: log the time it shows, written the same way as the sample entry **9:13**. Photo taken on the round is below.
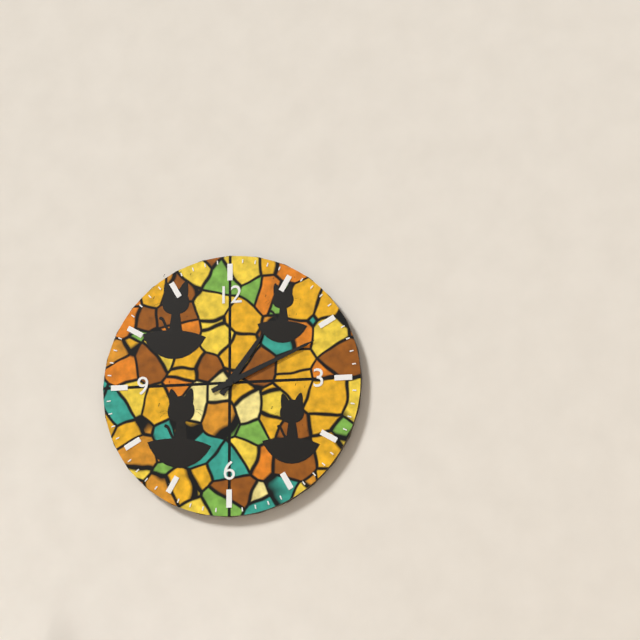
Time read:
**1:11**
